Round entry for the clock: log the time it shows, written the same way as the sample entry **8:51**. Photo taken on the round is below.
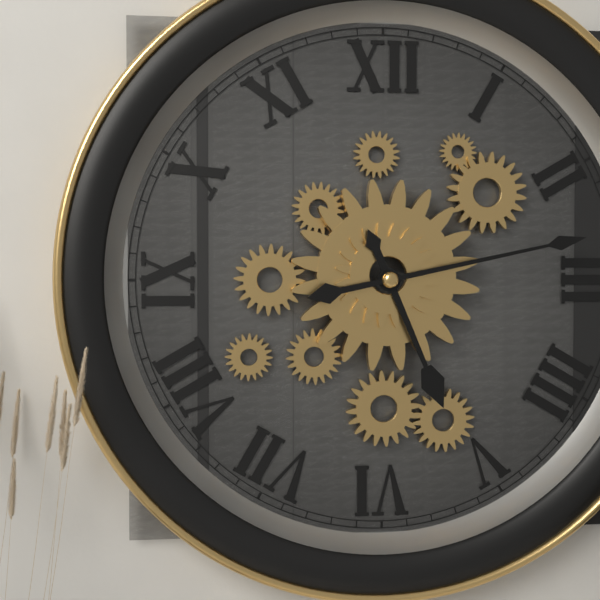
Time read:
**5:13**
